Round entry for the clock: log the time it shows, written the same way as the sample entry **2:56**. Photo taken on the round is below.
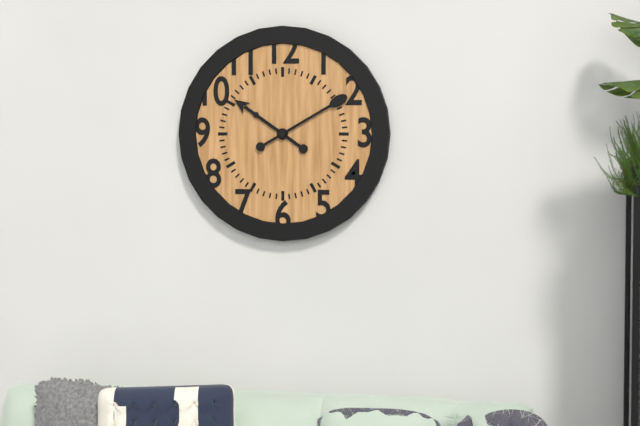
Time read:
**10:10**
